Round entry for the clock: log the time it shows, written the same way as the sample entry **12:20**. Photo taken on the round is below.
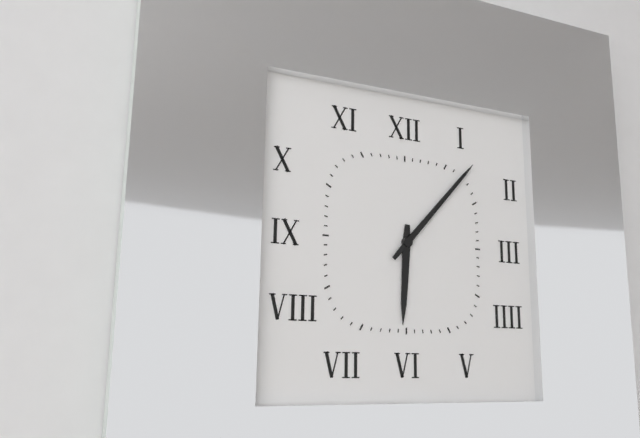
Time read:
**6:07**
